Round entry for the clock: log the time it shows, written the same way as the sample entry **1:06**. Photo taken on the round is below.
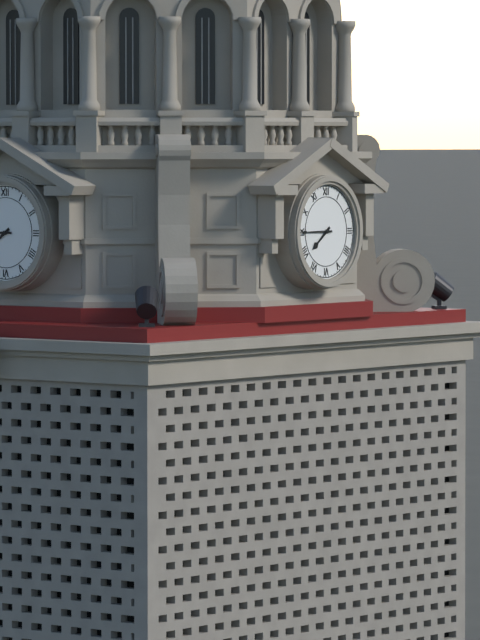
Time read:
**7:45**
